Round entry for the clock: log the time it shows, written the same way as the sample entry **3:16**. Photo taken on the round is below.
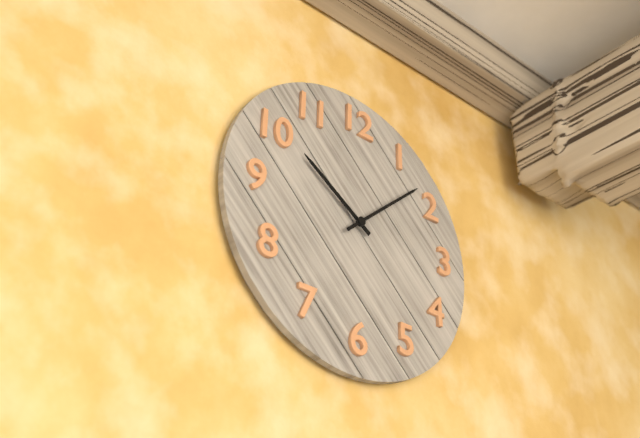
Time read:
**10:08**
